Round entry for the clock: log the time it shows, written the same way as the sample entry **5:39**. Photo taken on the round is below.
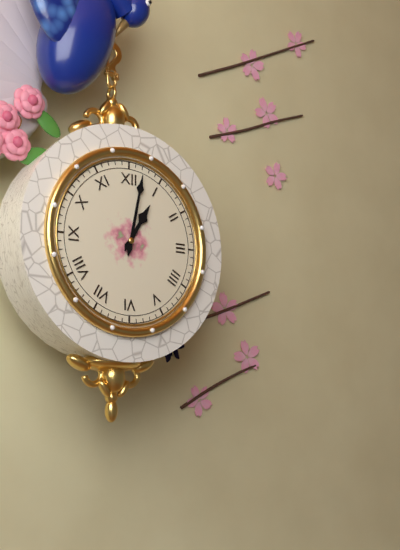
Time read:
**1:02**
